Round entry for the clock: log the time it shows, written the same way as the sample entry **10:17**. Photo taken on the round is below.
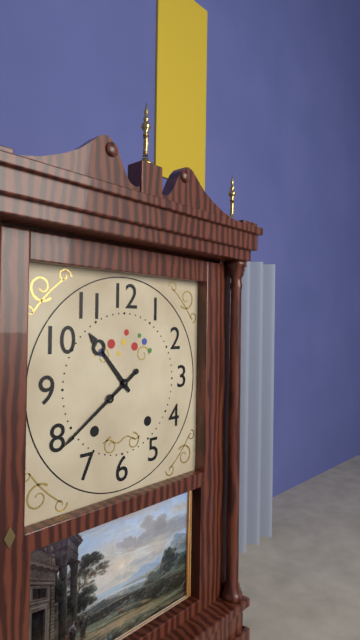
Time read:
**10:39**
